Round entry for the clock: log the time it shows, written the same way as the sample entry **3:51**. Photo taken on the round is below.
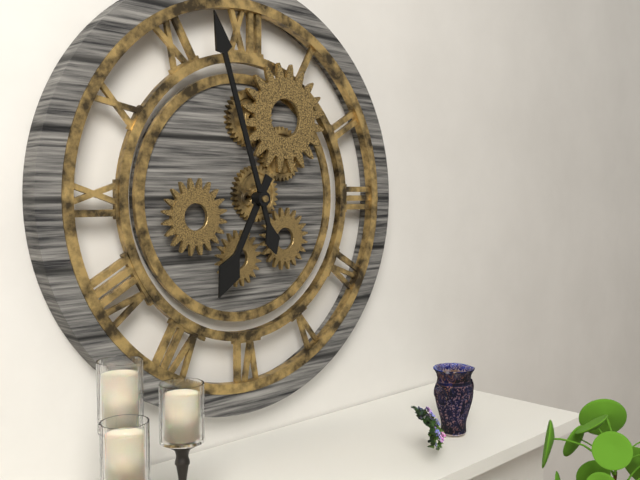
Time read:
**6:57**
